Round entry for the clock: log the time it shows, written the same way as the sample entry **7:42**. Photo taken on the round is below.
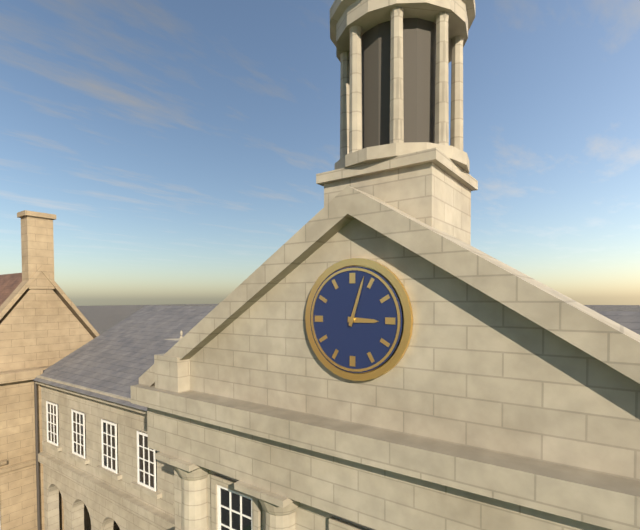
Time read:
**3:03**
